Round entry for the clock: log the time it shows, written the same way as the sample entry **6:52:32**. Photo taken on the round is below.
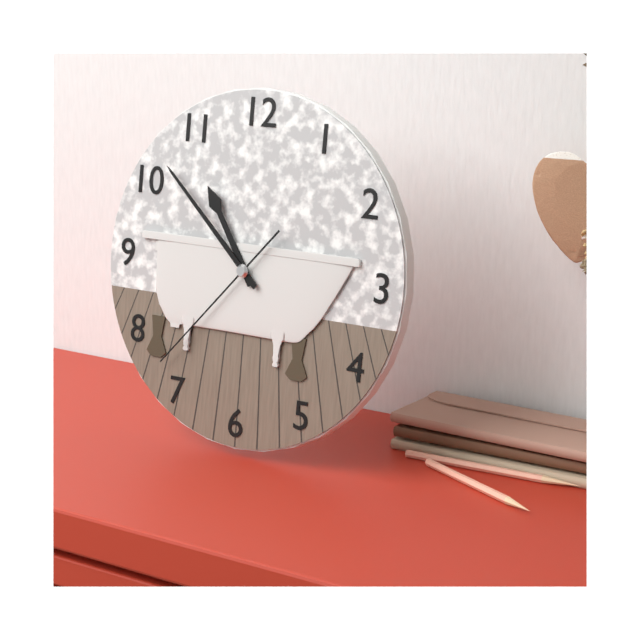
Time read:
**10:52:37**
